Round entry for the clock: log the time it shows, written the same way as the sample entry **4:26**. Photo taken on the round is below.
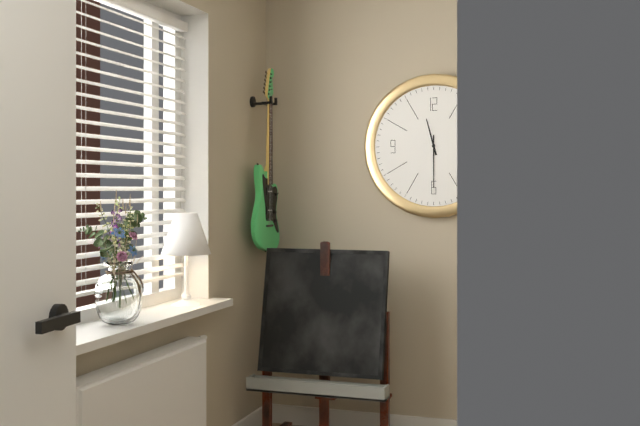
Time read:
**11:30**
